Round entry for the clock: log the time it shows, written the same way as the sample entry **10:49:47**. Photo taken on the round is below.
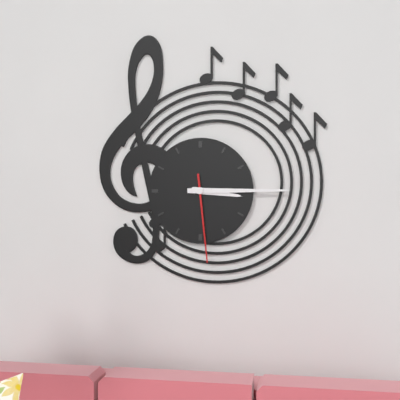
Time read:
**3:15:29**
